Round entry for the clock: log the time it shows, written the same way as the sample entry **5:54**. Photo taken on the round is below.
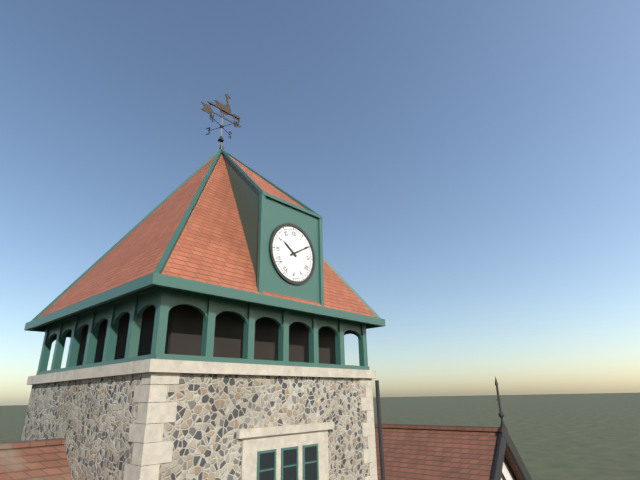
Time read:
**10:10**
